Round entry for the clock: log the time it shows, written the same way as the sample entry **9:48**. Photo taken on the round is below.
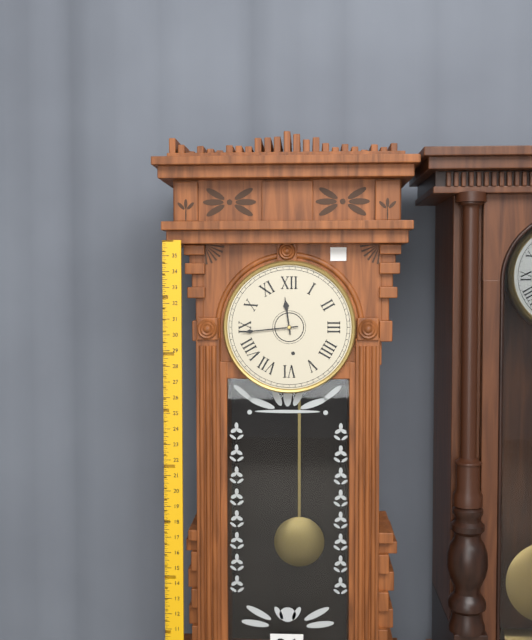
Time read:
**11:44**
